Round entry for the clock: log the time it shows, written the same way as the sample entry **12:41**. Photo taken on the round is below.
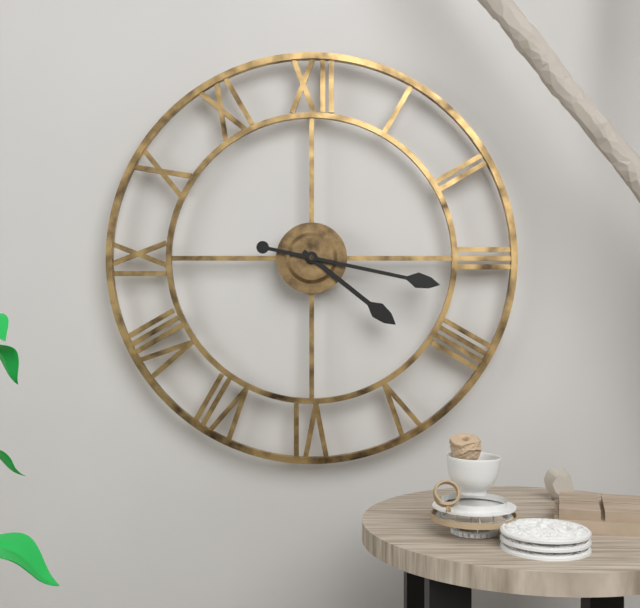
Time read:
**4:17**
